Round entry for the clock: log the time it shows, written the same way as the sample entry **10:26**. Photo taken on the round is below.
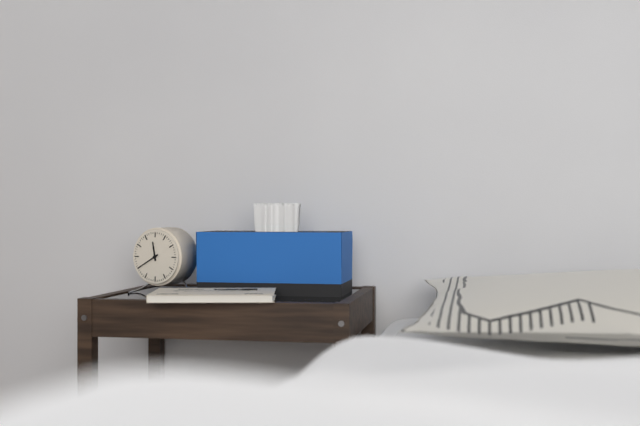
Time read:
**11:40**
